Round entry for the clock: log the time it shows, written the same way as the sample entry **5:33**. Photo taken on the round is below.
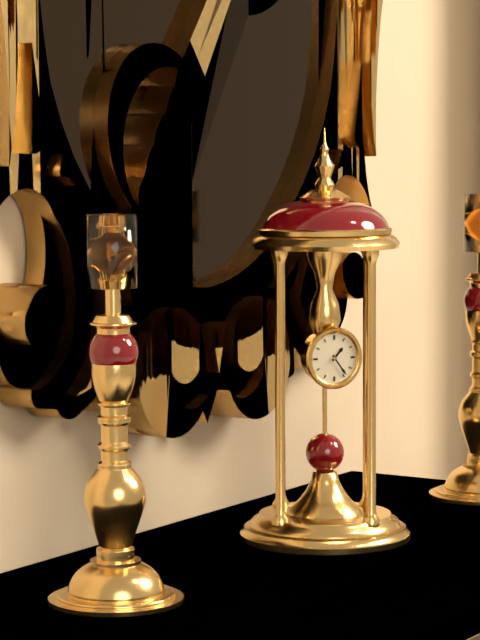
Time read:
**1:24**
